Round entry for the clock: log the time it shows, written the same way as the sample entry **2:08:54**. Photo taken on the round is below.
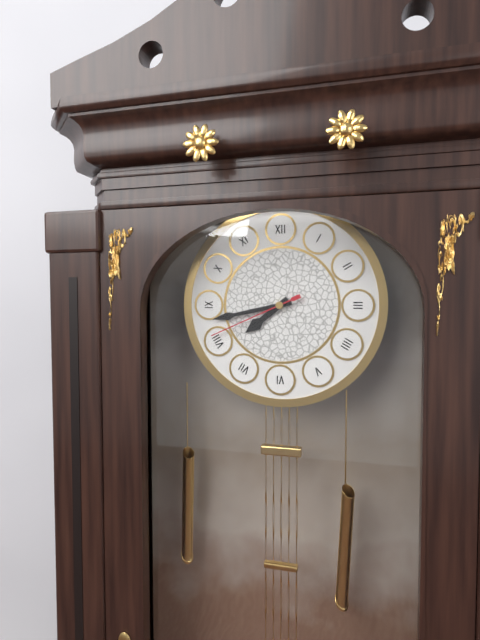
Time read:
**7:43:41**
